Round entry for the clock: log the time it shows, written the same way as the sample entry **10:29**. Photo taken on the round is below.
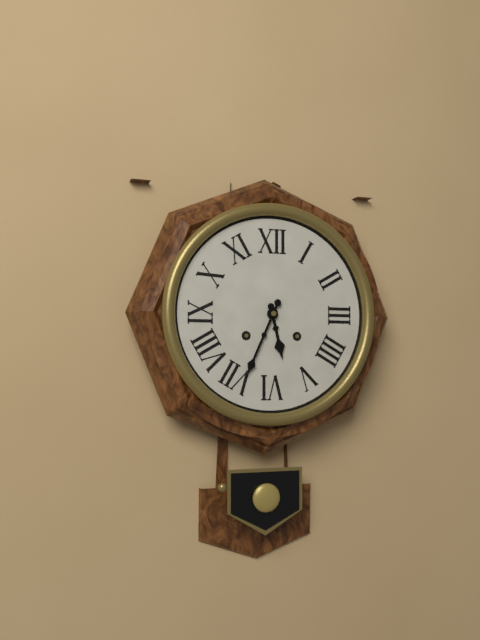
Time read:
**5:34**
